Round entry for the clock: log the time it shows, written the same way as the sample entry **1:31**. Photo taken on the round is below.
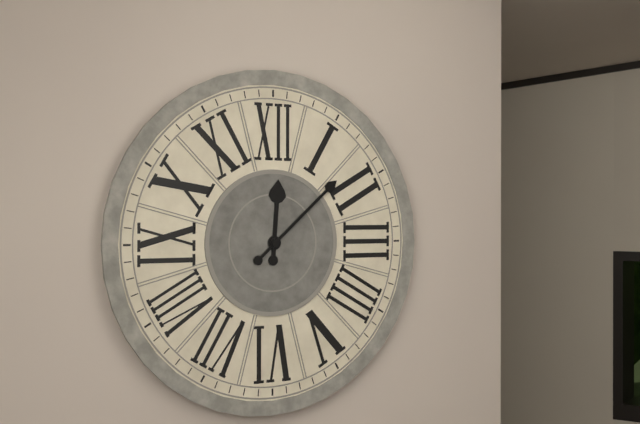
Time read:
**12:08**
